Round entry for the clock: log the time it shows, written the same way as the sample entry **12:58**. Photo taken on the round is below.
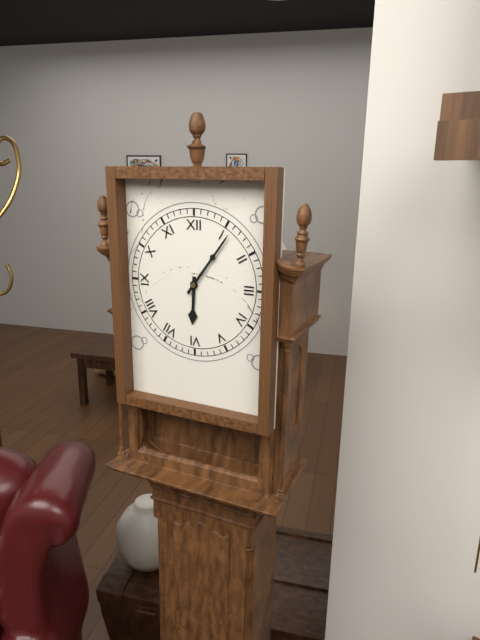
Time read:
**6:06**
